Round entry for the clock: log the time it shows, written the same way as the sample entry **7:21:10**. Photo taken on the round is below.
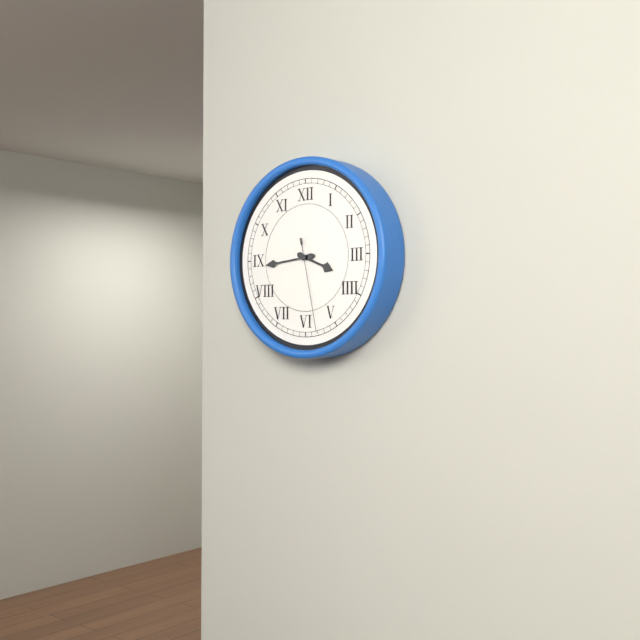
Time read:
**3:44:28**
